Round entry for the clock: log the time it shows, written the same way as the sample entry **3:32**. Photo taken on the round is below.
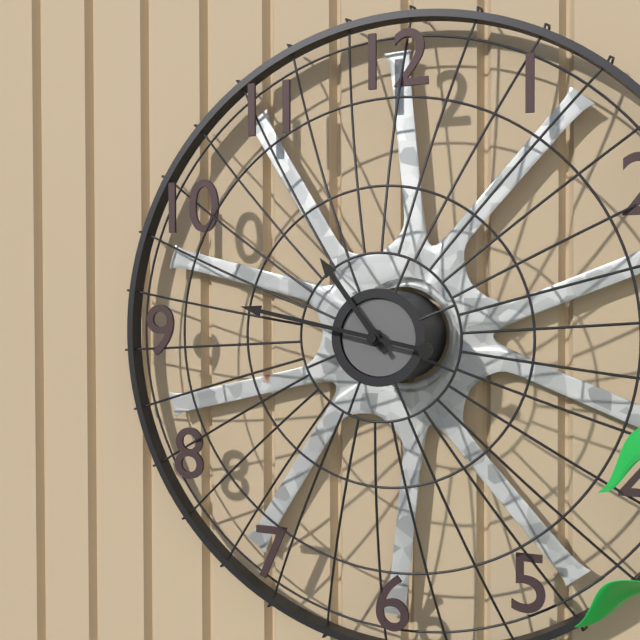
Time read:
**10:47**
